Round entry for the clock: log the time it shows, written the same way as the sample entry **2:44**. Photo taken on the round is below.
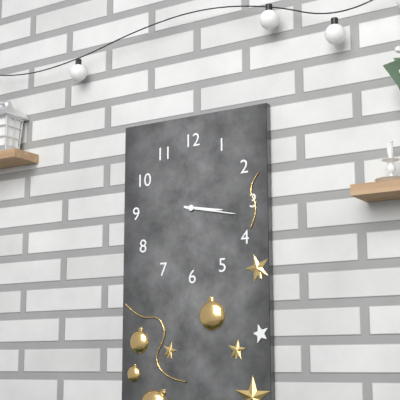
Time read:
**3:17**
